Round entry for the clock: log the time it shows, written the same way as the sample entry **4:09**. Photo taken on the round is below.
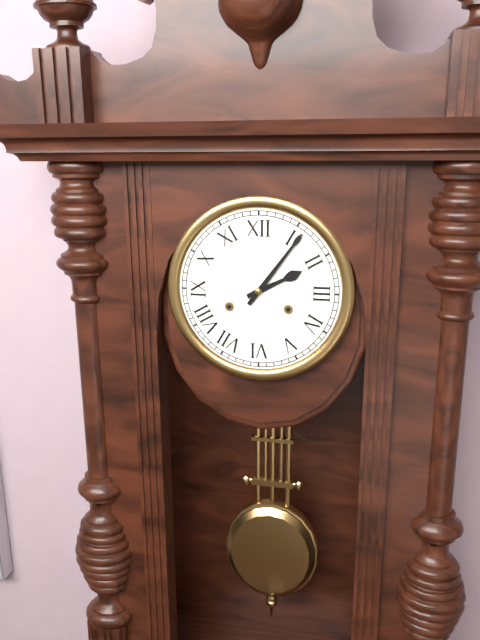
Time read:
**2:06**
